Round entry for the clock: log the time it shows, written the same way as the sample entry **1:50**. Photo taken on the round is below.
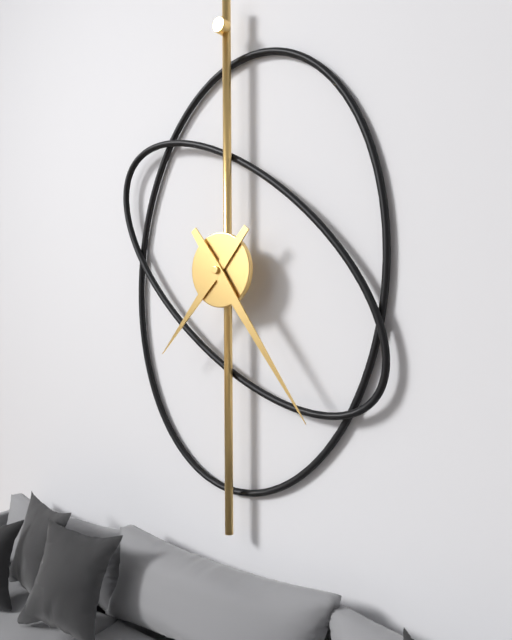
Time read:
**7:24**
